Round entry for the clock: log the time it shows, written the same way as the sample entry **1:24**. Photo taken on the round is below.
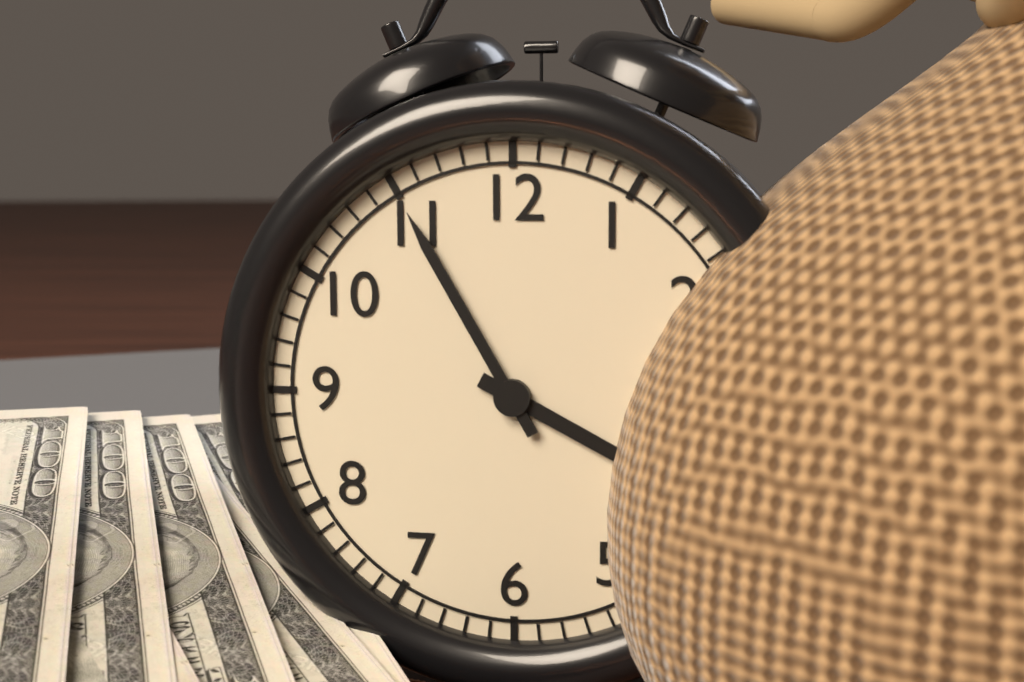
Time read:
**3:55**
